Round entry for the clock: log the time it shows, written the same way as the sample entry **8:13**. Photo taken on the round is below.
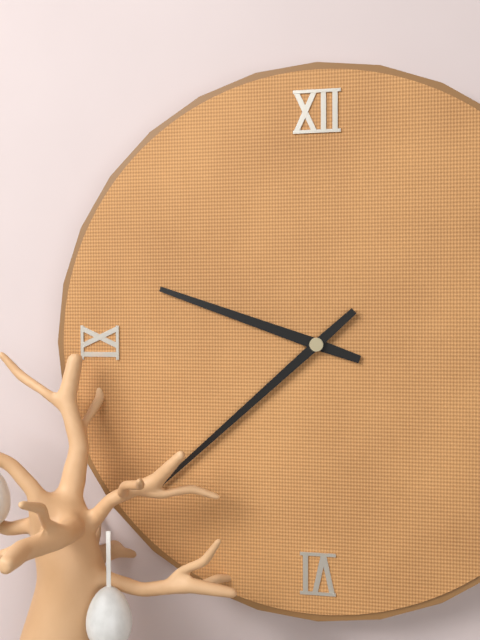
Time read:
**9:38**
